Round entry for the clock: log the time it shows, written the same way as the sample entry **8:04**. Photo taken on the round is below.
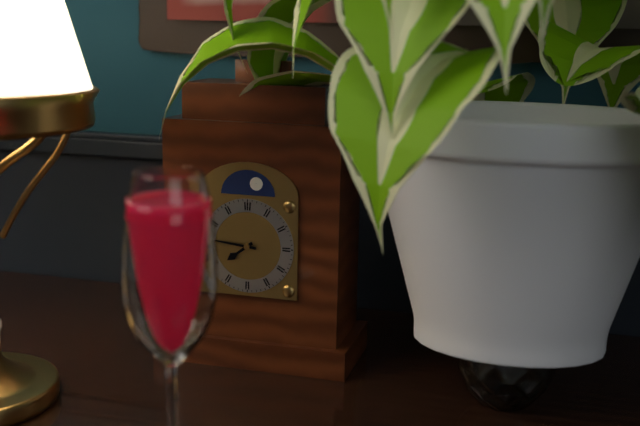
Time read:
**7:46**
